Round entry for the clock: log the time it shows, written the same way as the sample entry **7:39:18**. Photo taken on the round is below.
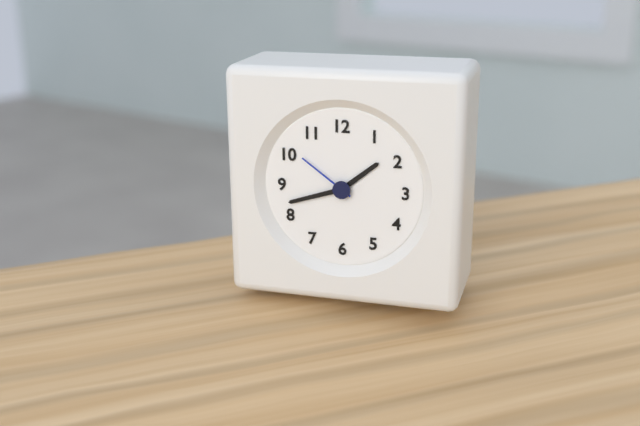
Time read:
**1:42:51**
